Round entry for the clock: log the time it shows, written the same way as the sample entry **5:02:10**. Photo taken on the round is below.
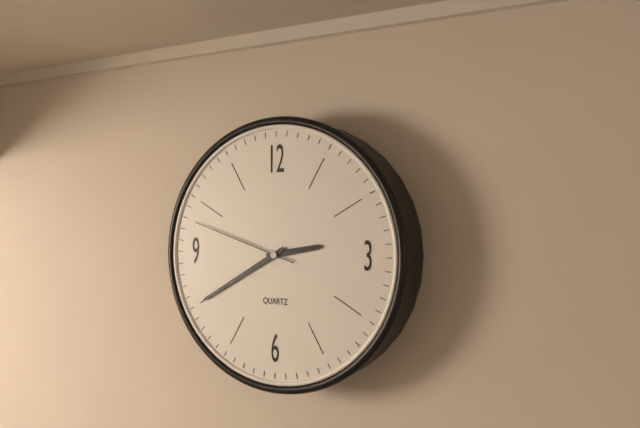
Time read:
**2:40:48**
